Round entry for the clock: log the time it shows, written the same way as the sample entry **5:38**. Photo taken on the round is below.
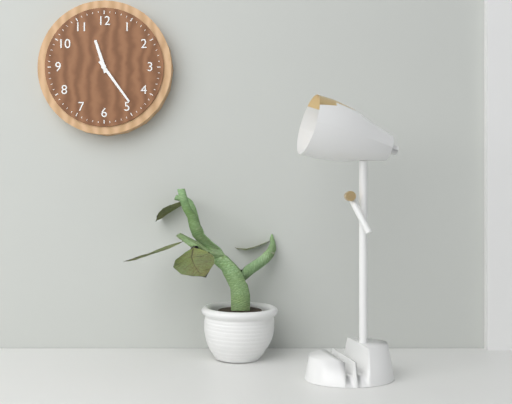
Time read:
**11:24**
